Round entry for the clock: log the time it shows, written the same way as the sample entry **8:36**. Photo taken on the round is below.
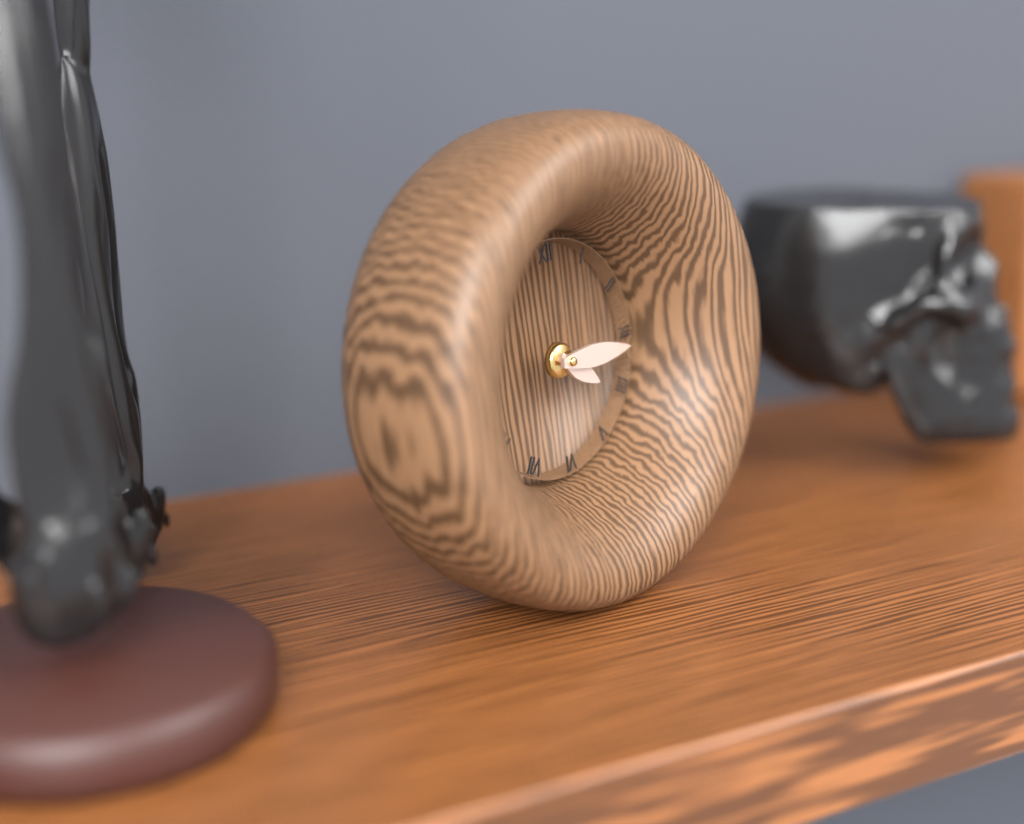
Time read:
**4:16**
